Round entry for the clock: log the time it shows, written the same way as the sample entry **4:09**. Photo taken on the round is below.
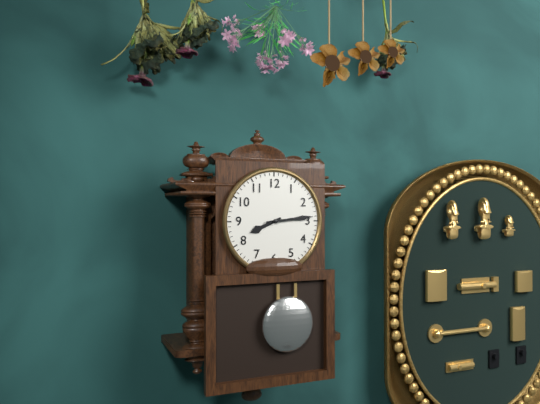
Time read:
**8:14**
